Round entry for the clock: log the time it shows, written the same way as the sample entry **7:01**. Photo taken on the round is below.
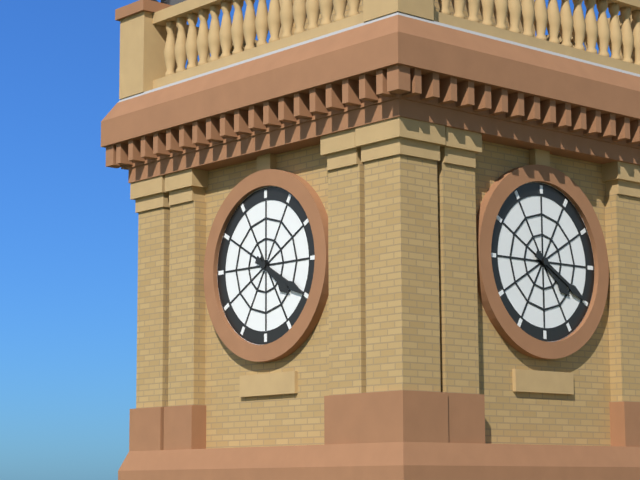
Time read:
**4:20**
